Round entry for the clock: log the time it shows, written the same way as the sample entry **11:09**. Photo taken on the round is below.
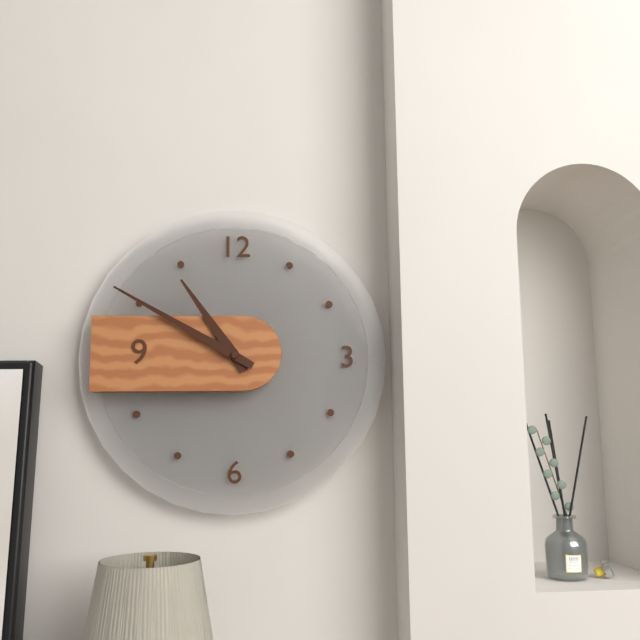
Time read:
**10:50**
